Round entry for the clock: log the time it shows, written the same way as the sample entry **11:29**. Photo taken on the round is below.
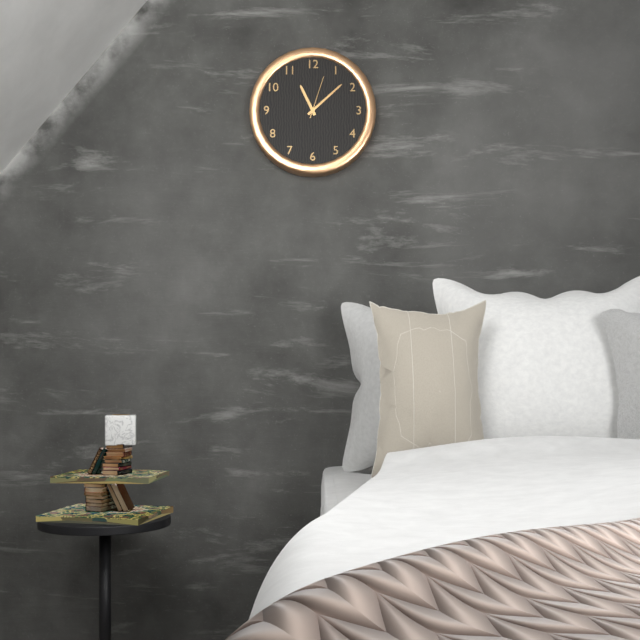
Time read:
**11:08**
